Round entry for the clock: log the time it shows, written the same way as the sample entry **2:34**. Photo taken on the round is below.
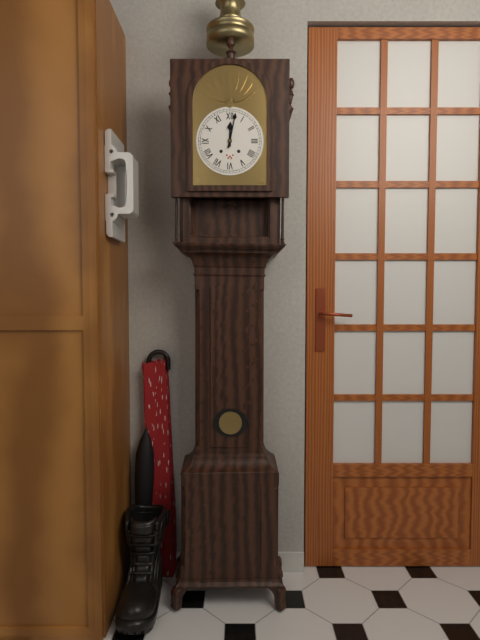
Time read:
**12:02**
